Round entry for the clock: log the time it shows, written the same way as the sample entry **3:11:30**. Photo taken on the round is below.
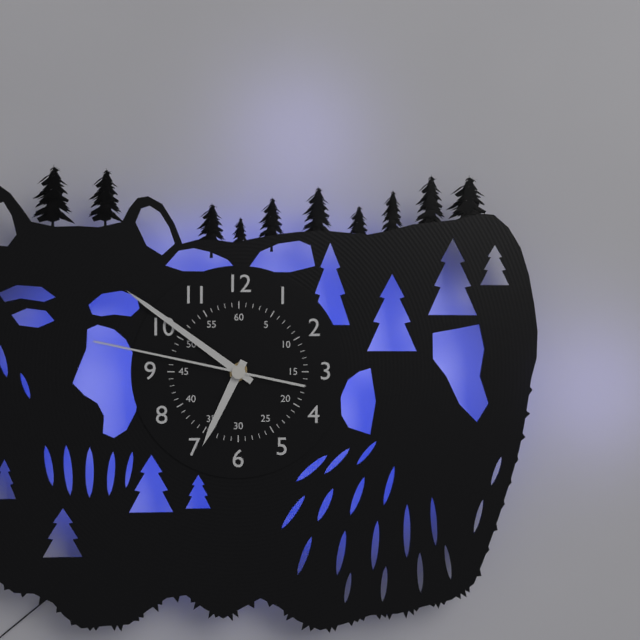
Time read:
**6:51:47**
